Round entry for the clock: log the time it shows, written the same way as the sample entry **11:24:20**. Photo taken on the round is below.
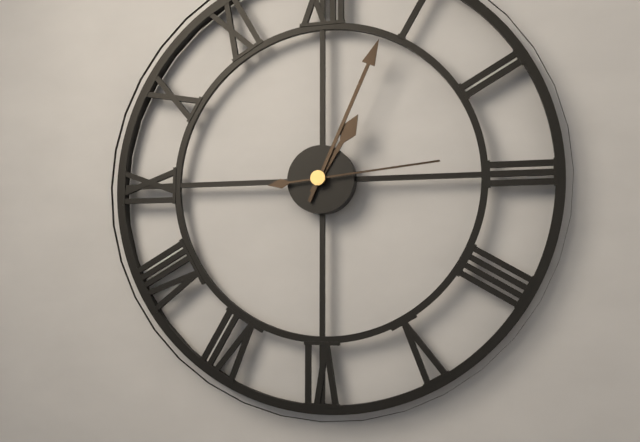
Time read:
**1:04:14**
